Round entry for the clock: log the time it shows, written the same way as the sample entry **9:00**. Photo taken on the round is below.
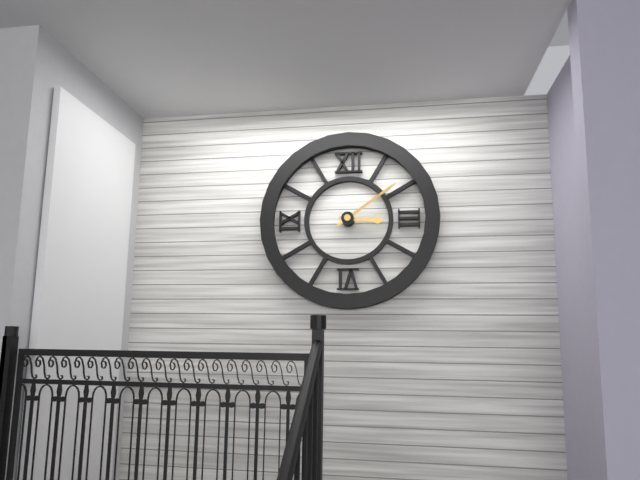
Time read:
**3:09**
